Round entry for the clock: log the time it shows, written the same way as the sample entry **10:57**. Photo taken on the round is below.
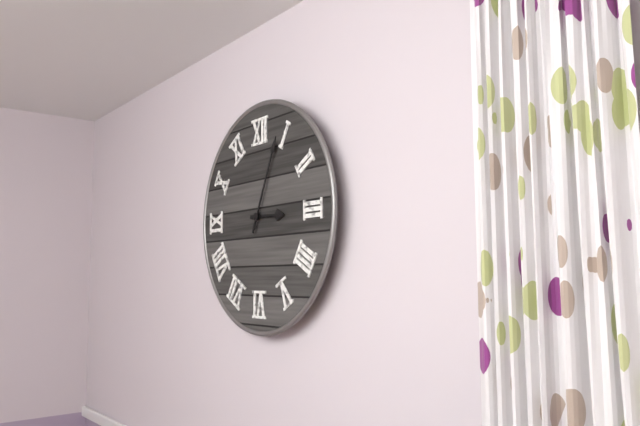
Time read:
**3:04**
